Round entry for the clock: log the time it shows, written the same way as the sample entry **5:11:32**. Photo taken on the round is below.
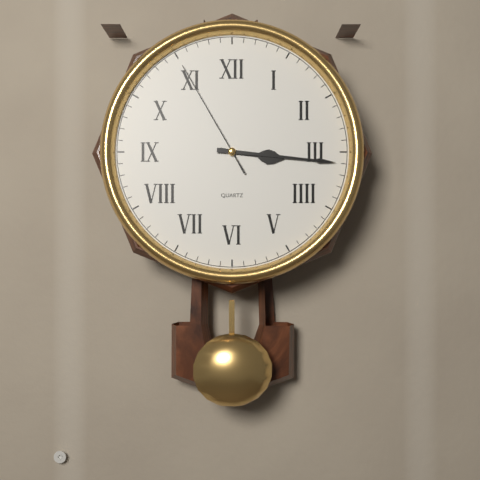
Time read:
**3:16:55**
